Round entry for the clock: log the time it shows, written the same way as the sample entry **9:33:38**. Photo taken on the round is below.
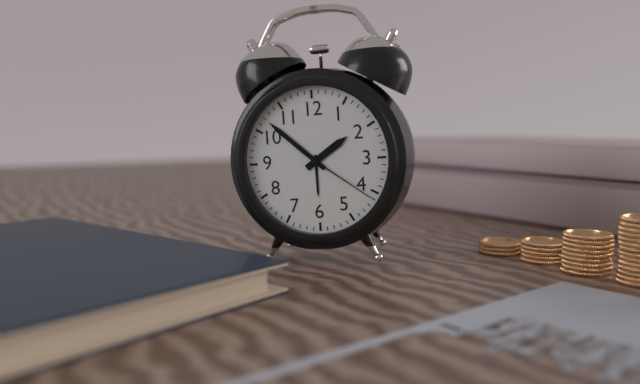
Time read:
**1:52:21**
